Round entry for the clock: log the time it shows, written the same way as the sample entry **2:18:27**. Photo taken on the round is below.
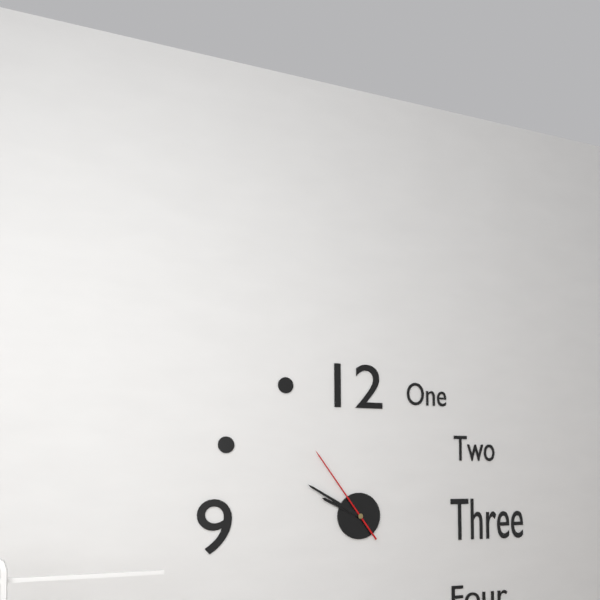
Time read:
**9:50:54**
